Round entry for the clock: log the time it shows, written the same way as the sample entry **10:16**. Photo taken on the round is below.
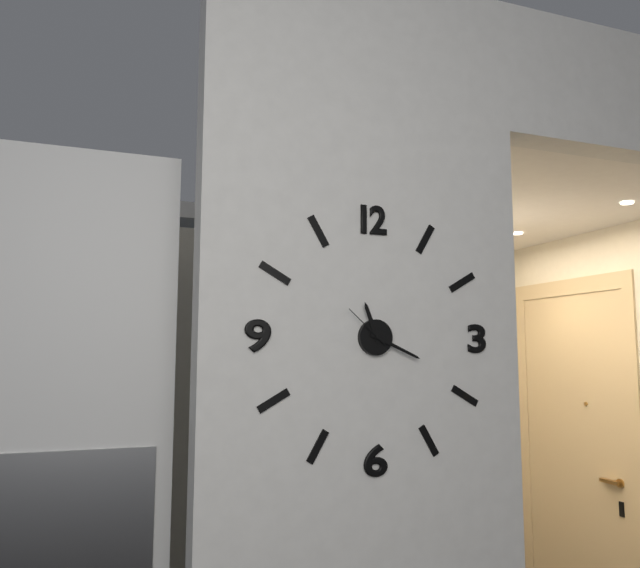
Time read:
**11:19**
